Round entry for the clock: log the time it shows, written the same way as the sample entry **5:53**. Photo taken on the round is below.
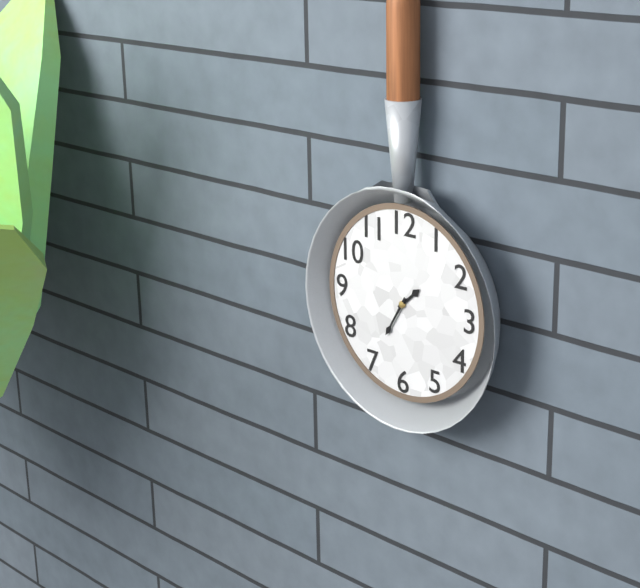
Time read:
**1:35**
